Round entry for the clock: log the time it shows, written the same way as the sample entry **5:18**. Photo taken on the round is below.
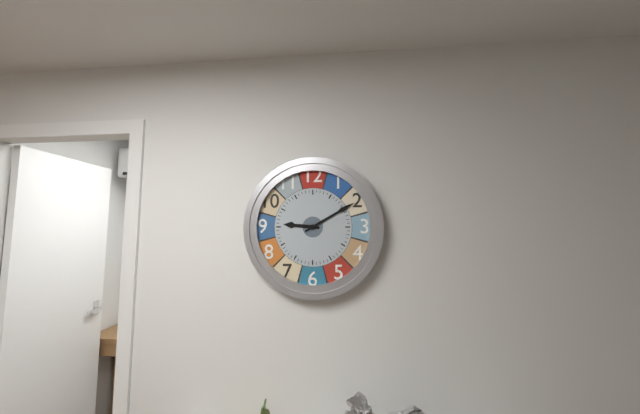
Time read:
**9:10**
